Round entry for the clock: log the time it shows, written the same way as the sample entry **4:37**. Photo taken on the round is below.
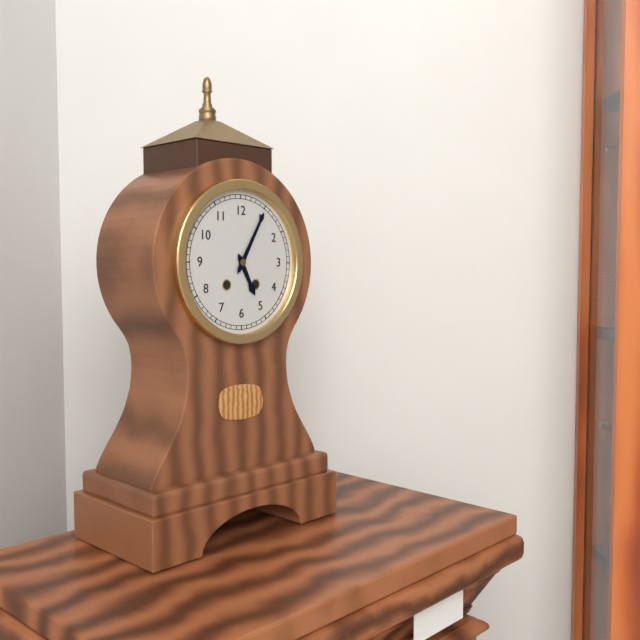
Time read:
**5:05**
